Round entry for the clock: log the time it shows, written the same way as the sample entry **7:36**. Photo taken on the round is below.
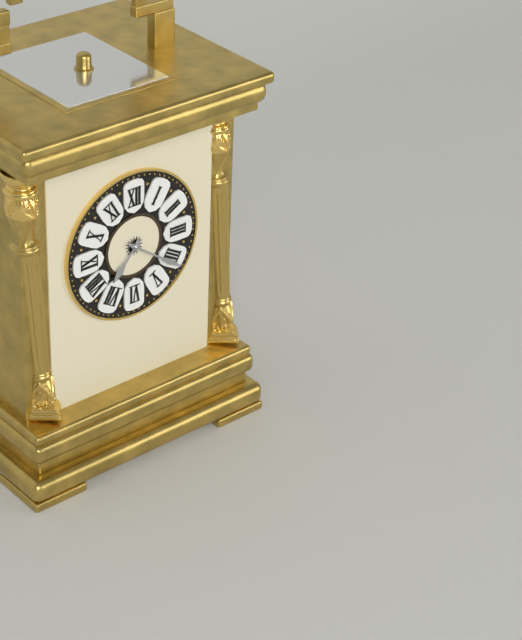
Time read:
**7:21**
